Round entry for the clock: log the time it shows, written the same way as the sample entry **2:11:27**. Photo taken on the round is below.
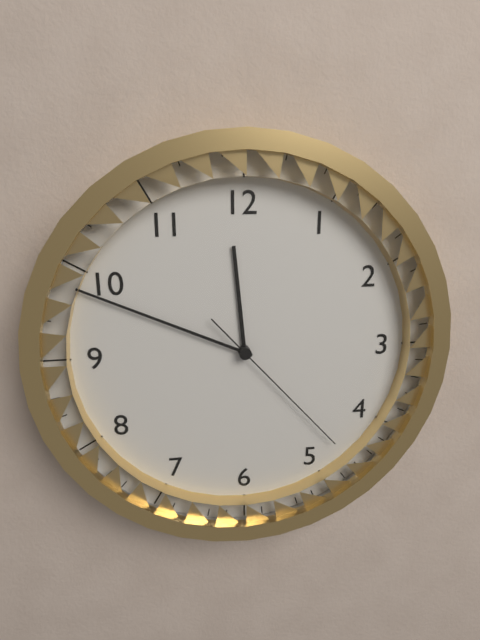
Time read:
**11:49:23**
